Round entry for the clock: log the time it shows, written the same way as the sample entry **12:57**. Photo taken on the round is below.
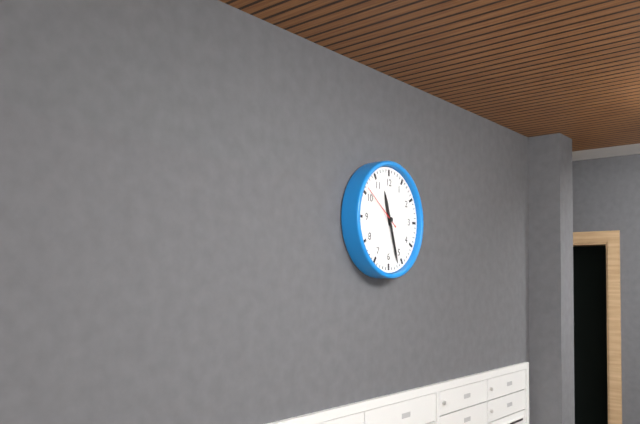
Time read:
**11:27**
